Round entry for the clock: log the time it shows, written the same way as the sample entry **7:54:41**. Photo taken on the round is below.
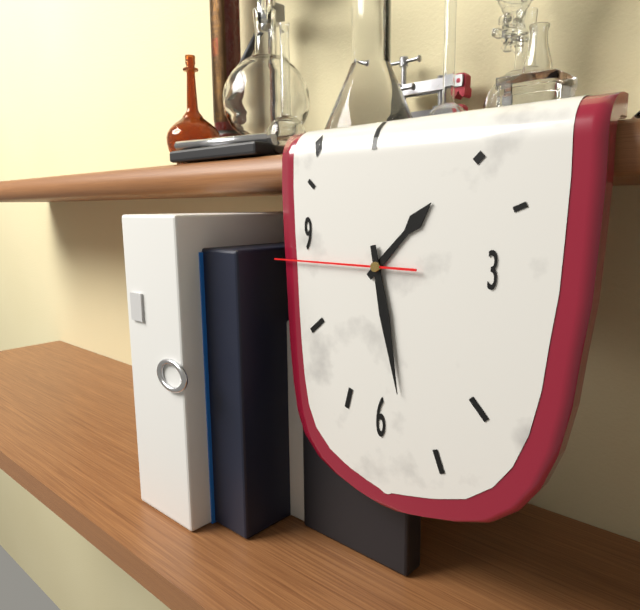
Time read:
**1:28:45**
